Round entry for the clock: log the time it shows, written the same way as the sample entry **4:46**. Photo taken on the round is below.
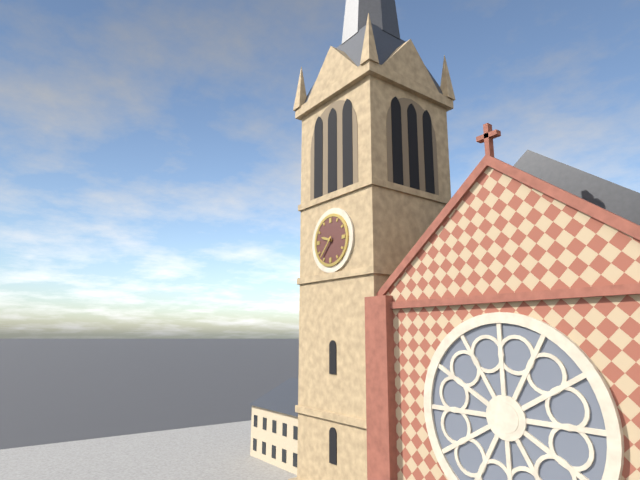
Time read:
**9:37**
